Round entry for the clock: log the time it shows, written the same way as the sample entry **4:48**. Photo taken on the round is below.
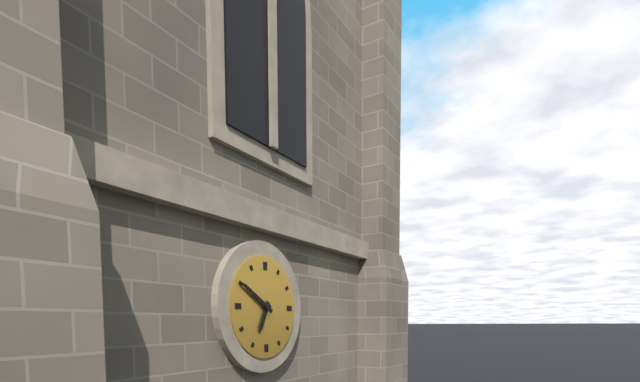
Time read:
**6:50**
